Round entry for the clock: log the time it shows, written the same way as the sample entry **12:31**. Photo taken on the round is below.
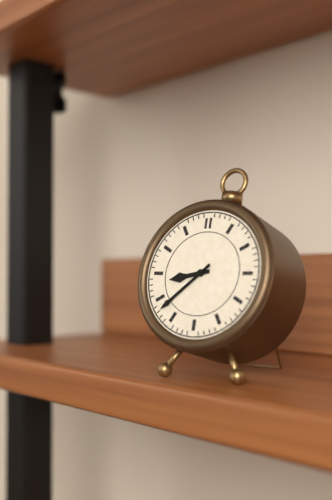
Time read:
**8:38**
